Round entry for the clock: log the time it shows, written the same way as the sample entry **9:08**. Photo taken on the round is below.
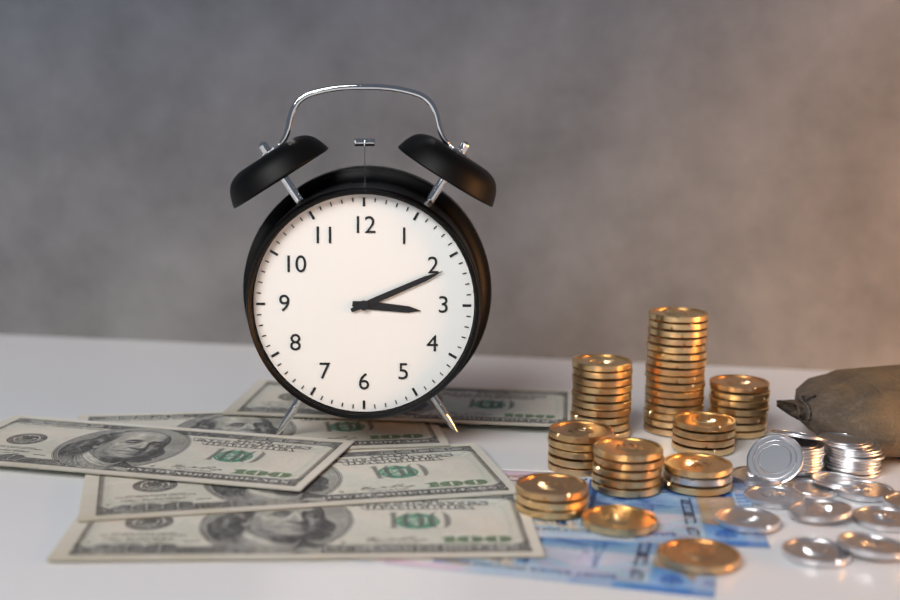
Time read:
**3:11**
